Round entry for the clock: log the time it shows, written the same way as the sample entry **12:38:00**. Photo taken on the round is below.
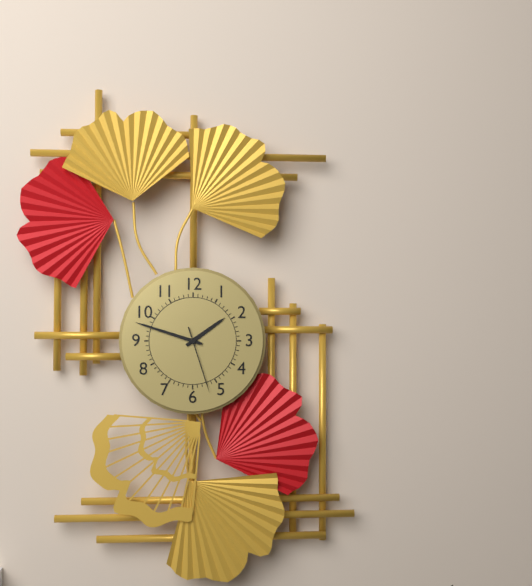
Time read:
**1:48:27**
